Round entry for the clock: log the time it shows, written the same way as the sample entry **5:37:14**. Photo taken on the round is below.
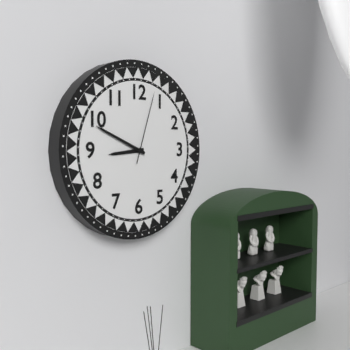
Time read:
**8:49:03**
